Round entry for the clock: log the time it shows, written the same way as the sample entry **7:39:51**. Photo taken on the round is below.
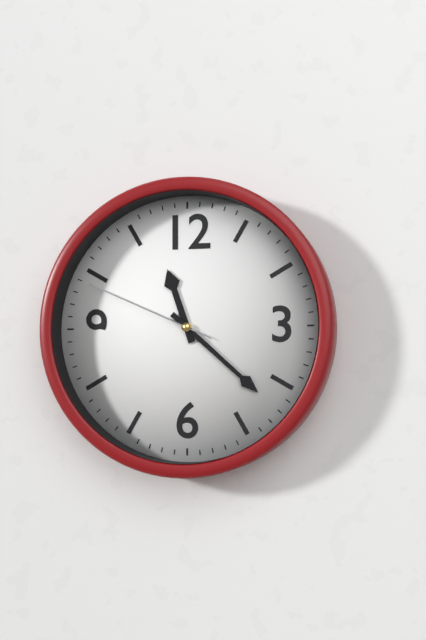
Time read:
**11:22:49**
